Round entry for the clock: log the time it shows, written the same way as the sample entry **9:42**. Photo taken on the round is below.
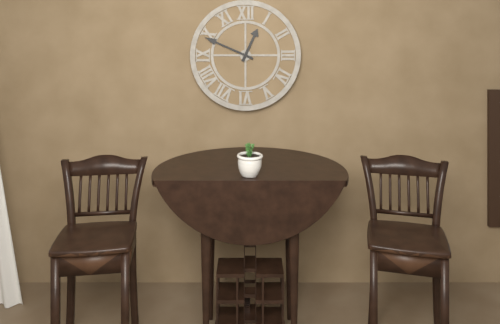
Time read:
**12:49**
